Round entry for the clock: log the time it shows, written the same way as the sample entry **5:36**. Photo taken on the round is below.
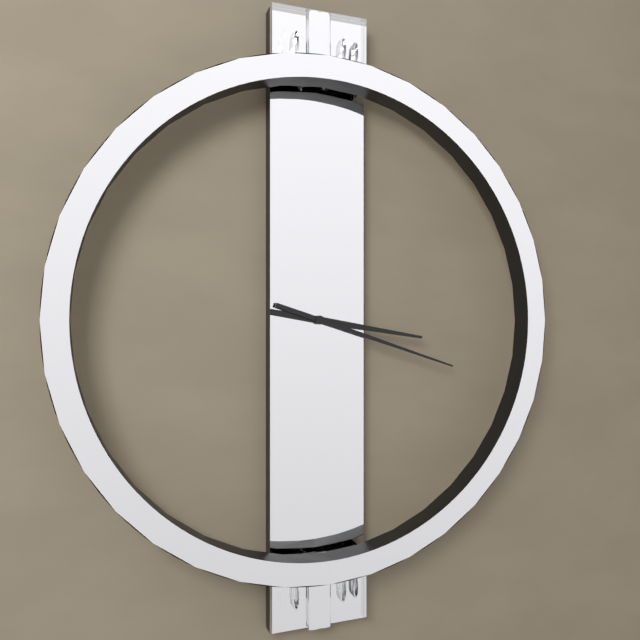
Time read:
**3:18**
